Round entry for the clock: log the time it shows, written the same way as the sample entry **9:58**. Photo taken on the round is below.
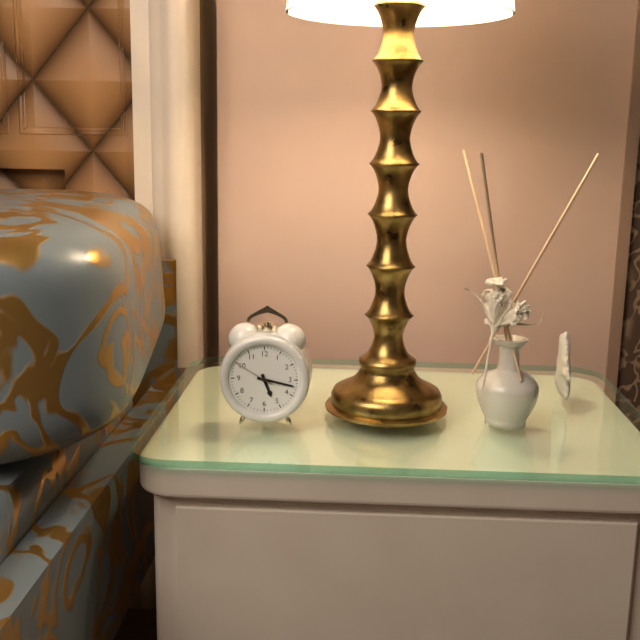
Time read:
**5:17**
